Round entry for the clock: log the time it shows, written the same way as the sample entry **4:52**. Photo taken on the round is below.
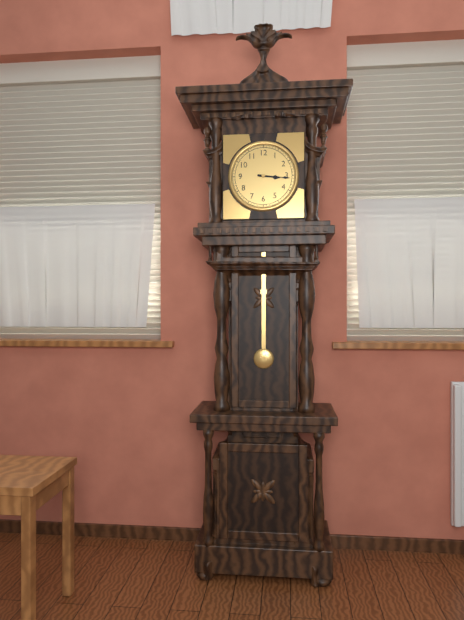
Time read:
**3:16**
